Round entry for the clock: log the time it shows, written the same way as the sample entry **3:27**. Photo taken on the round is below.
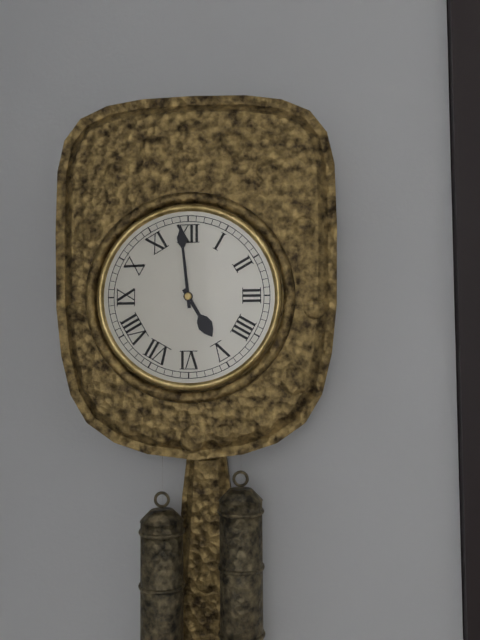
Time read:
**4:59**
